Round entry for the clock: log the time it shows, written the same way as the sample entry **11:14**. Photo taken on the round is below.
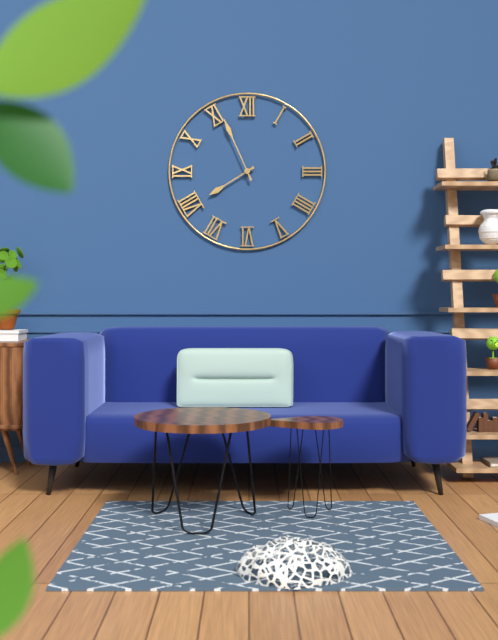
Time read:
**7:56**
